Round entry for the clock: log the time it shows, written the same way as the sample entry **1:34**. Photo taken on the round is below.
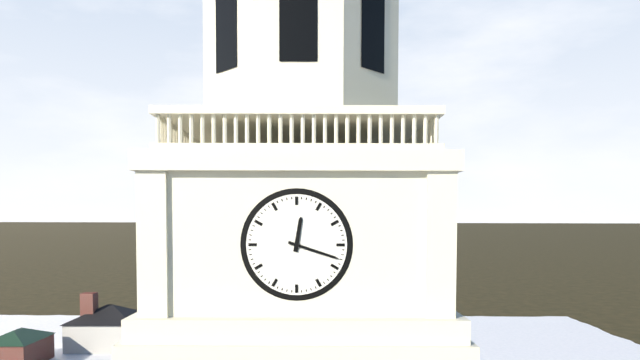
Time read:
**12:18**
